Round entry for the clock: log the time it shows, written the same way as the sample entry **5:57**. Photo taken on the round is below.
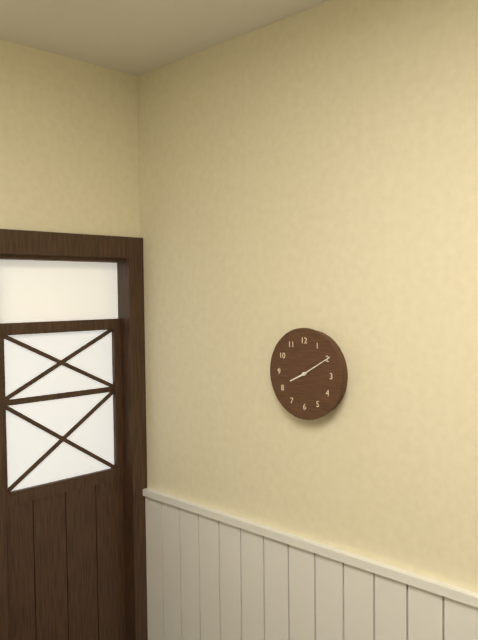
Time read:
**8:10**
